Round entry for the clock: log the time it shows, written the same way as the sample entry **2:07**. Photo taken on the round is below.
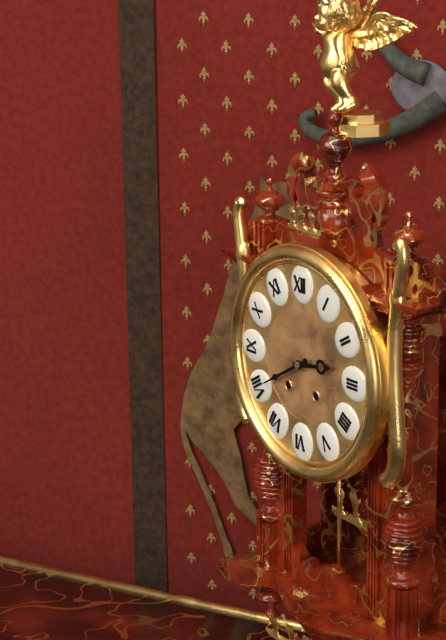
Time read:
**2:40**
